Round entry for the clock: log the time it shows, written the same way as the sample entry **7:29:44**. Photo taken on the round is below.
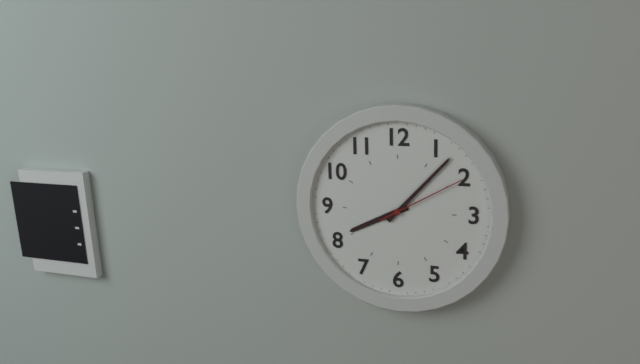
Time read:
**8:07:10**
